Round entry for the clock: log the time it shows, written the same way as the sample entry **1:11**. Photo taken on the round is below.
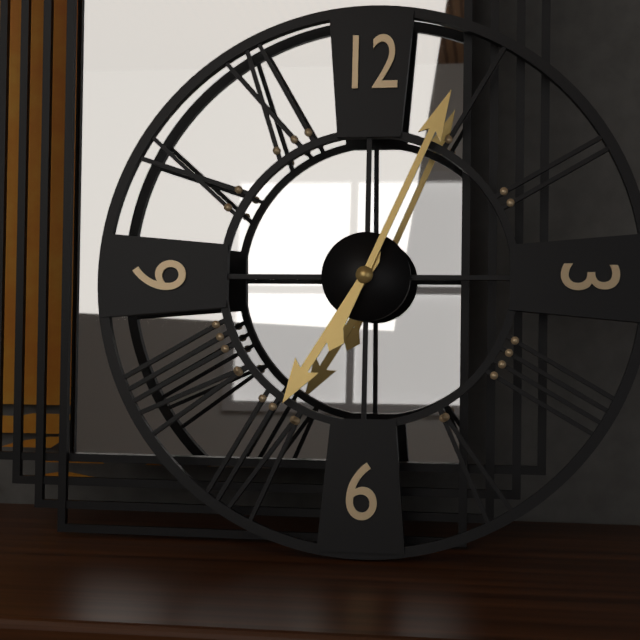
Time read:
**7:04**
